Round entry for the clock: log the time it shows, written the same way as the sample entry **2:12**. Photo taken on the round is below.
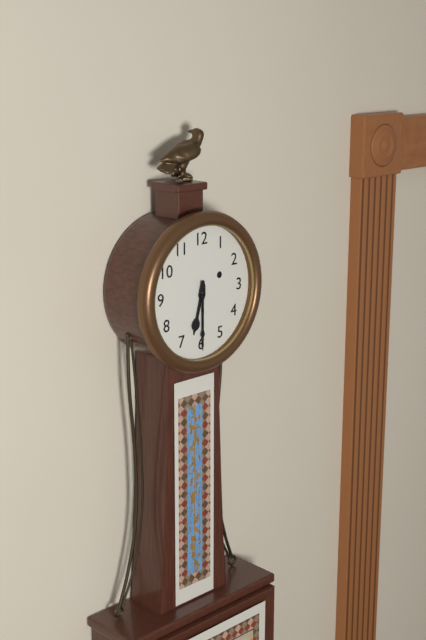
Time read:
**6:30**
